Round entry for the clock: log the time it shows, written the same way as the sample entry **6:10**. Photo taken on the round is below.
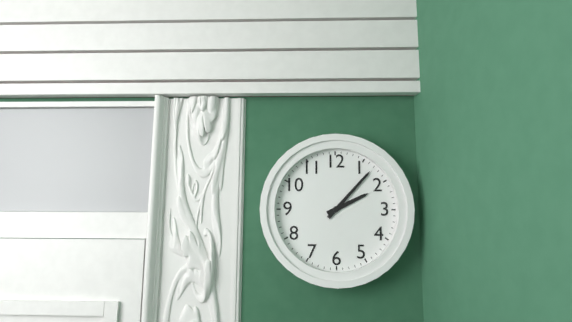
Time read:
**2:07**
